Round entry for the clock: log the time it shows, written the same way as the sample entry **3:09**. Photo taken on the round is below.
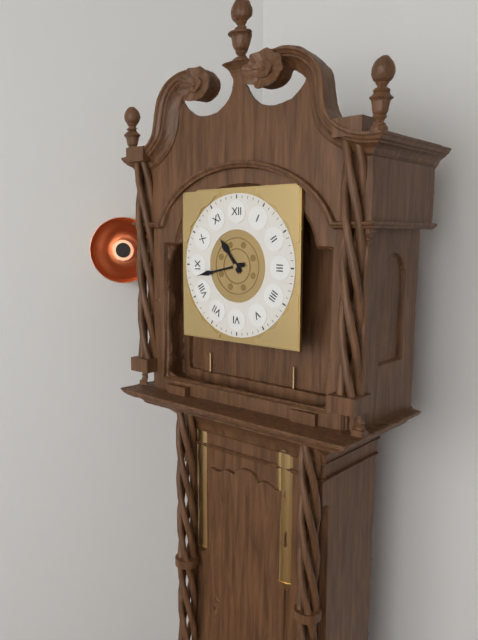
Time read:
**10:43**
